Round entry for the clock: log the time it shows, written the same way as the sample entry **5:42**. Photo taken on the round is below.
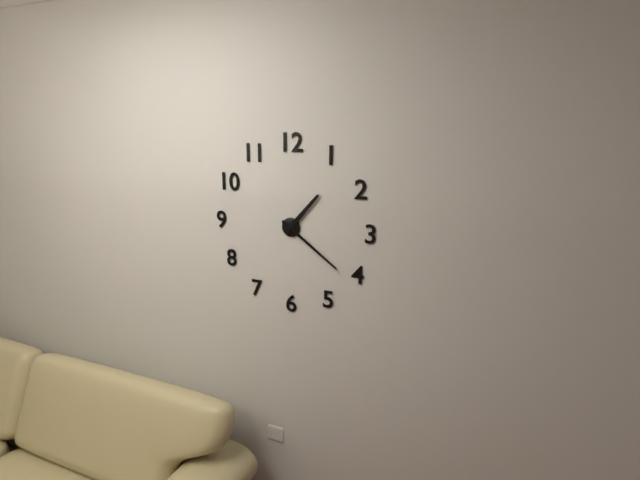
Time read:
**1:21**
